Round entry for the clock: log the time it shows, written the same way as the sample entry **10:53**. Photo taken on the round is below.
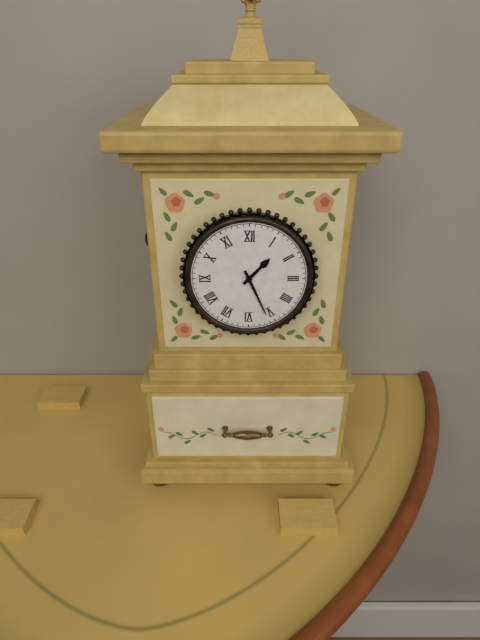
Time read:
**1:26**
